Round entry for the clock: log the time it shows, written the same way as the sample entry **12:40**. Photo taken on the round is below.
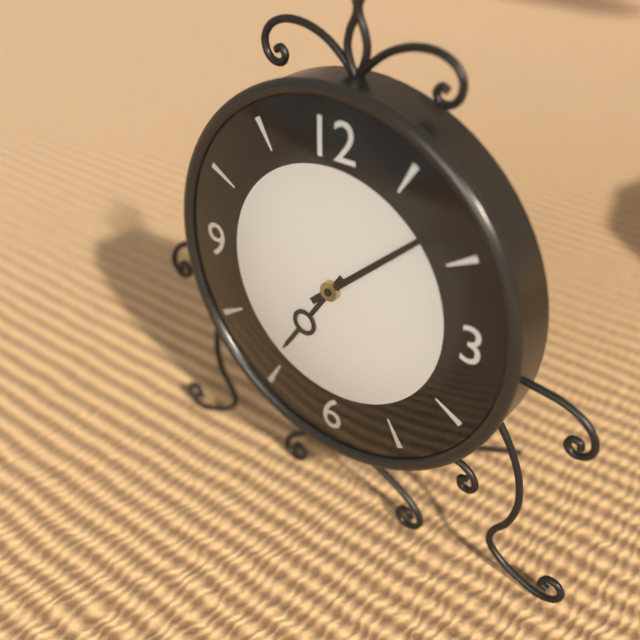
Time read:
**7:08**
